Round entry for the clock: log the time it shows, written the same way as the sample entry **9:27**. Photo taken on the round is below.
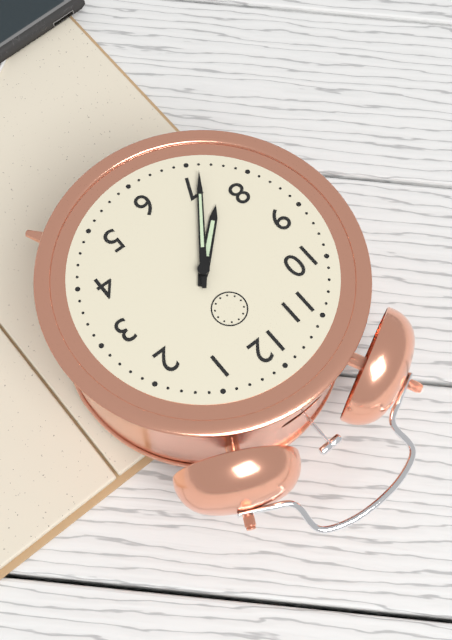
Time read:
**7:36**
